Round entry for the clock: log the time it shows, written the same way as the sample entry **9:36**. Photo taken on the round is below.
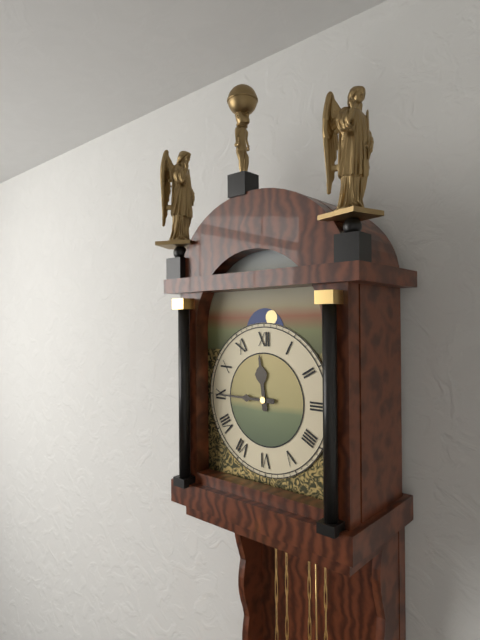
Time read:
**11:45**
